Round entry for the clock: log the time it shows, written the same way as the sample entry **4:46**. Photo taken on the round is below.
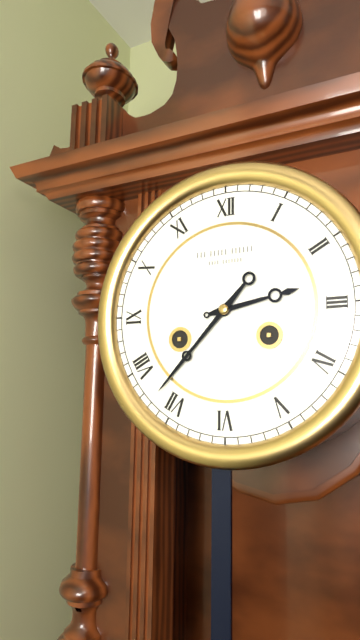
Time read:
**2:37**
